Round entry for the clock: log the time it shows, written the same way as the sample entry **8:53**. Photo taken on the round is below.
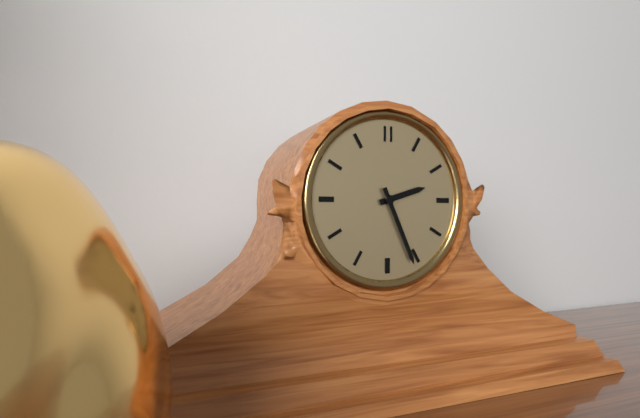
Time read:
**2:26**
